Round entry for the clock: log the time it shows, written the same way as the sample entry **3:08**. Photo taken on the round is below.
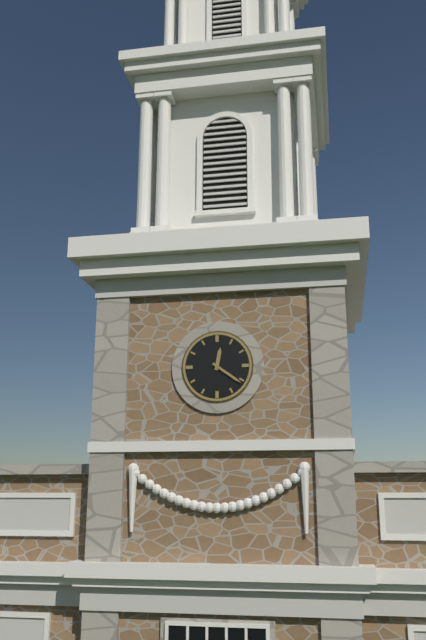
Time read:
**12:21**
